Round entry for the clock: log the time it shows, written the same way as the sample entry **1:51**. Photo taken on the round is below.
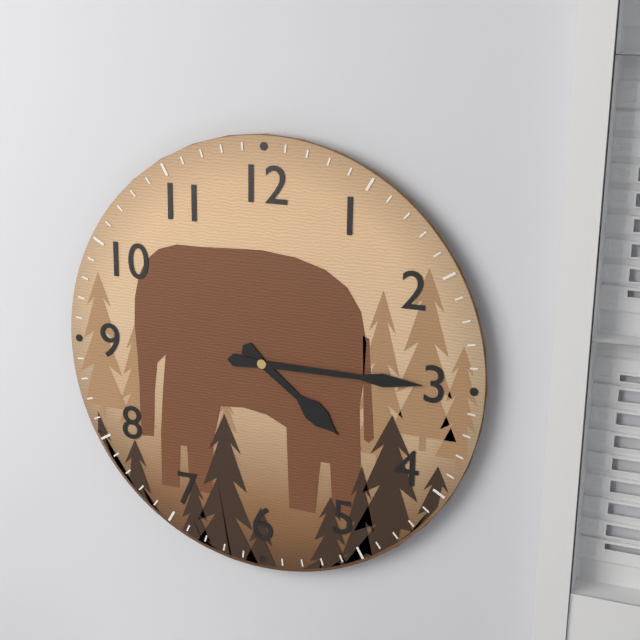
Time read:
**4:15**
